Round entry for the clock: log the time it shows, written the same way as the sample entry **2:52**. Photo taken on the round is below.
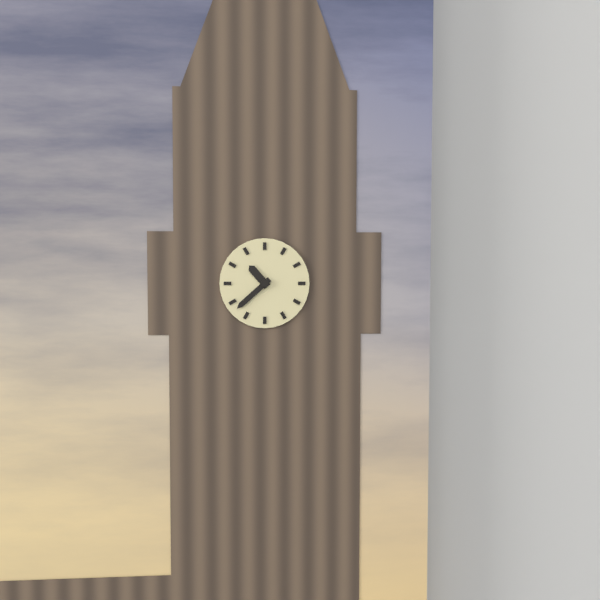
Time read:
**10:38**
